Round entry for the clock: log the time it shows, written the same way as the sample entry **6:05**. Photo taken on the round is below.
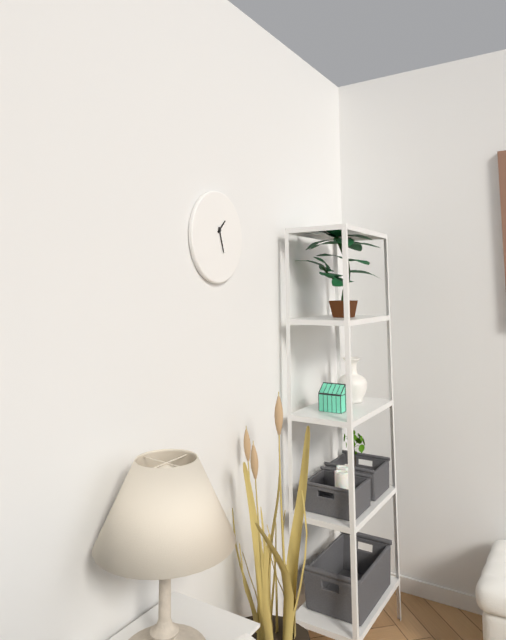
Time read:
**1:27**
